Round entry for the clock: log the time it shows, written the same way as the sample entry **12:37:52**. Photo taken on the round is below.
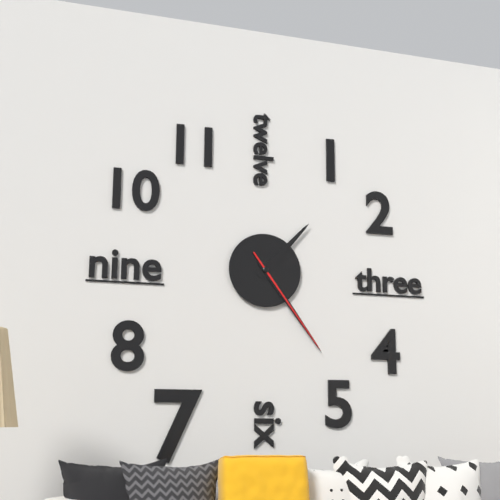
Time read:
**1:24:24**
